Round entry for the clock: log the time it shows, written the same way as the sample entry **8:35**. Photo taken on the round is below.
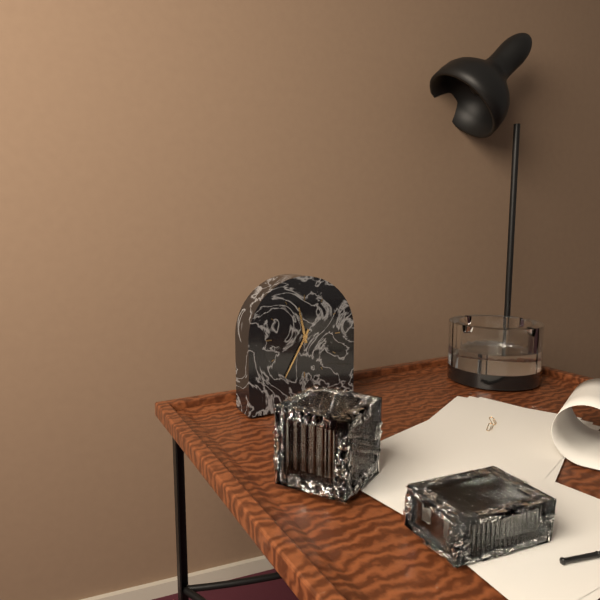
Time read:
**11:35**
